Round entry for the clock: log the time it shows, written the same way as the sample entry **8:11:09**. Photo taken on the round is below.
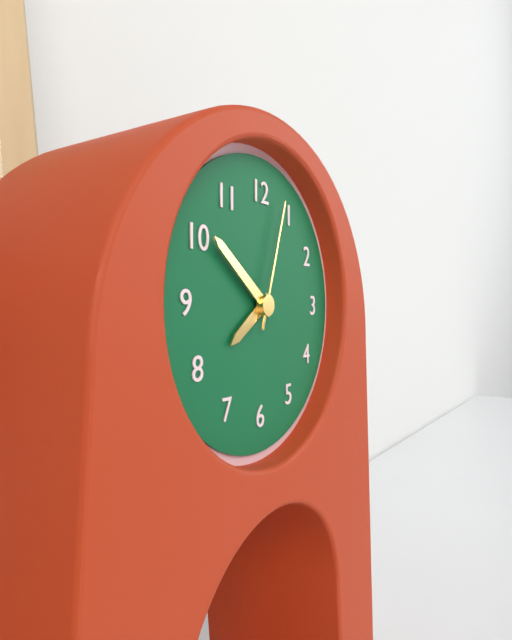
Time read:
**7:51:03**
